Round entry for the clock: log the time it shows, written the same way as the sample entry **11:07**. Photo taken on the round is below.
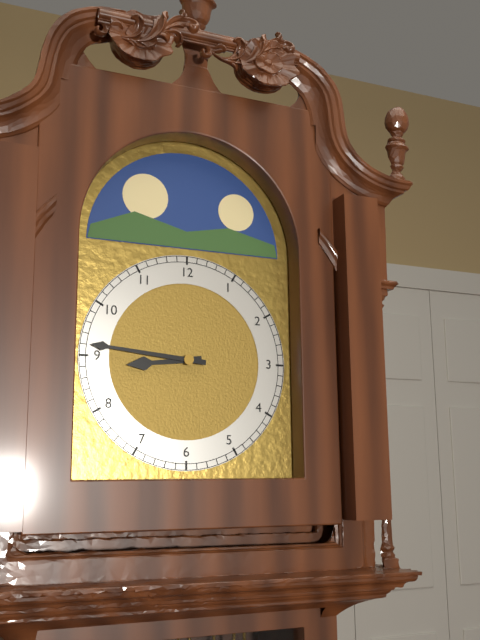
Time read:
**8:46**
